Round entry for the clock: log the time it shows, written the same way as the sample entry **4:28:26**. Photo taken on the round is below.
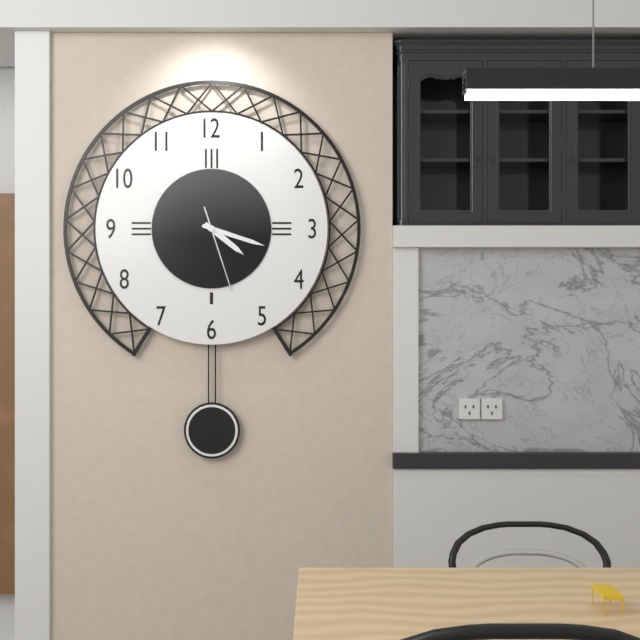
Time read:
**4:18:27**
